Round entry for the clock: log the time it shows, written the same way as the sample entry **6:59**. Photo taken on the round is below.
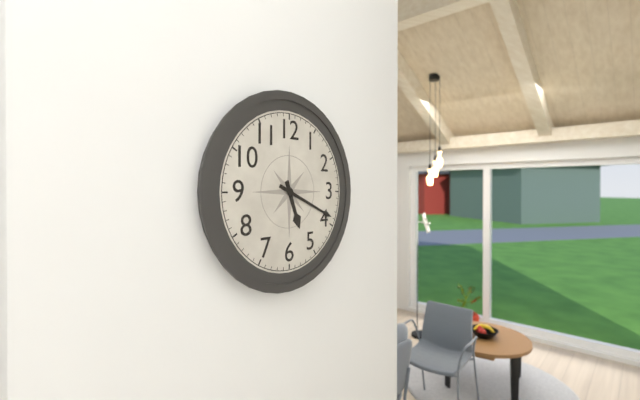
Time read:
**5:19**
